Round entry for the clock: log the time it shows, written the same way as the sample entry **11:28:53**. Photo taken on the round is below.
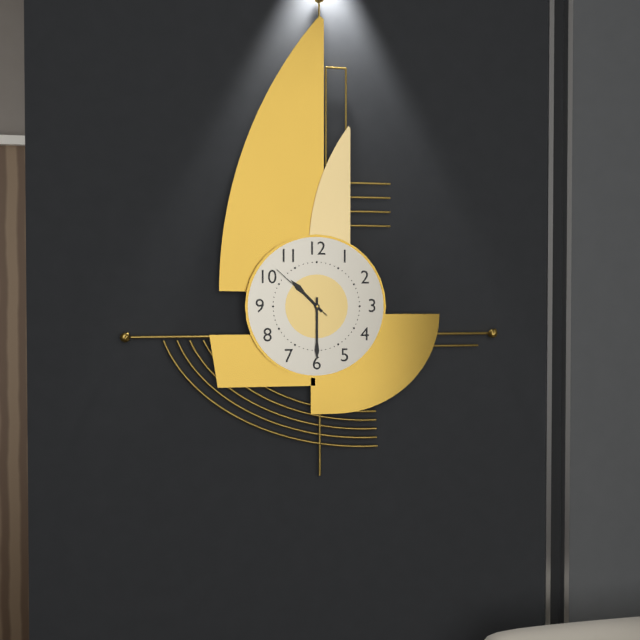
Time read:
**10:30:52**
